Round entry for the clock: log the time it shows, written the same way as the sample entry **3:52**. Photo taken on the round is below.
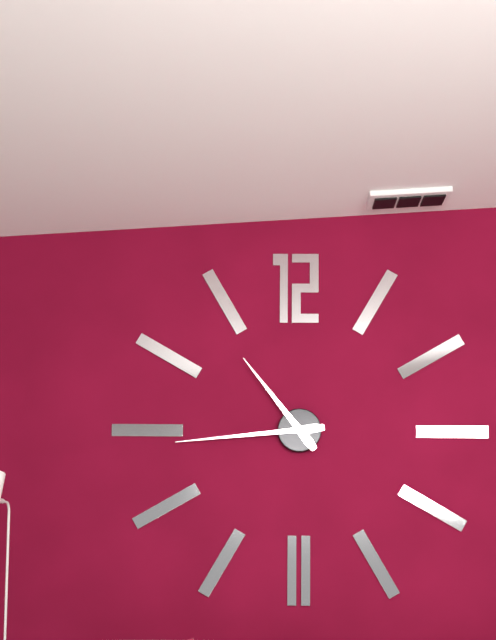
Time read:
**10:44**
